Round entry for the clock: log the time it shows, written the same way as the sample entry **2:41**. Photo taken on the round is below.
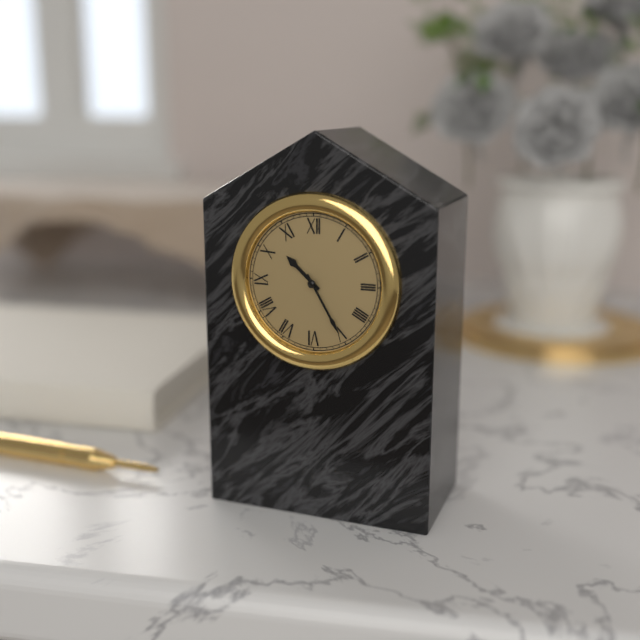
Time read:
**10:25**
